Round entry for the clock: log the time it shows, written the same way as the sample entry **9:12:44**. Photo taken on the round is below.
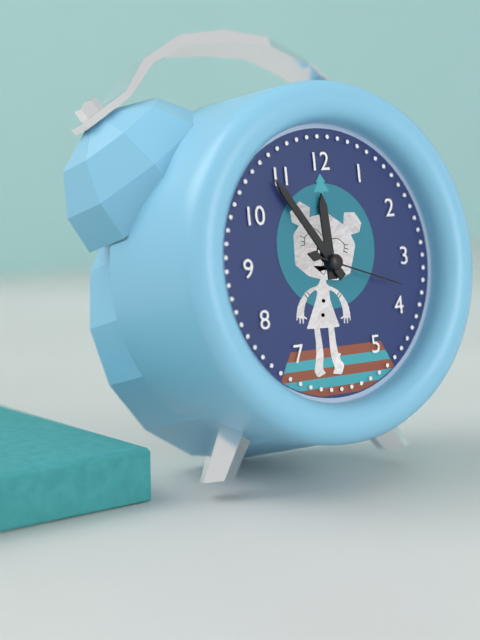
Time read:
**11:54:18**
